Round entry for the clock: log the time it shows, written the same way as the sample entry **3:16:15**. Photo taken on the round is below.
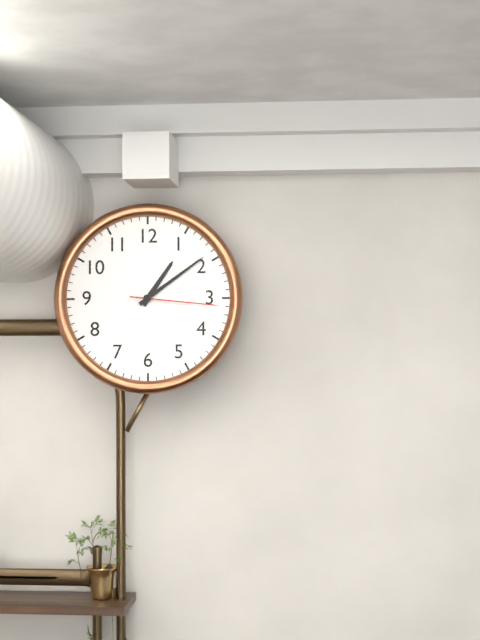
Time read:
**1:09:16**
